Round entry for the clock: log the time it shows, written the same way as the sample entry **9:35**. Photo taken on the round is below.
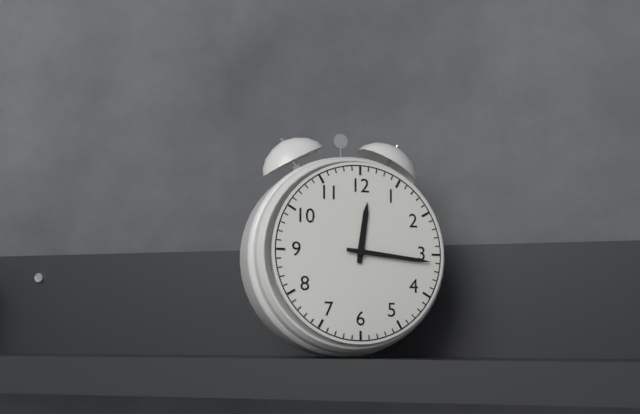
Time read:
**12:16**
